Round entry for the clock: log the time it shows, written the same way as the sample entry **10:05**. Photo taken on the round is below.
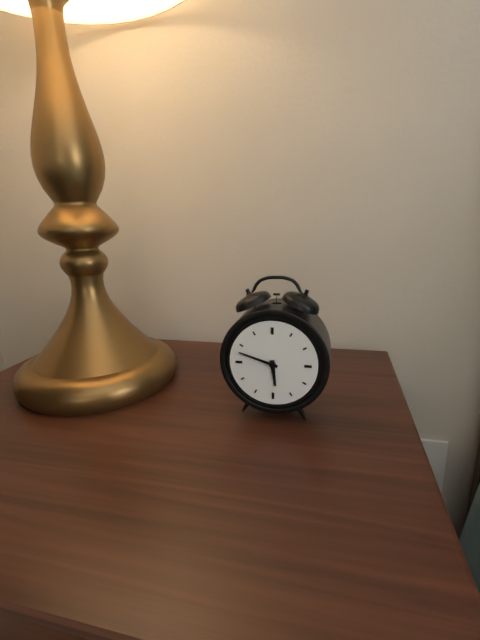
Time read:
**5:48**
